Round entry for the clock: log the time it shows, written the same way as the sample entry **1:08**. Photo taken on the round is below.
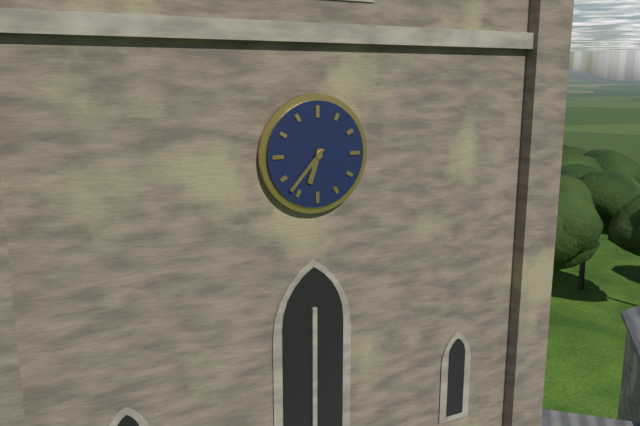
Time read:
**6:37**
